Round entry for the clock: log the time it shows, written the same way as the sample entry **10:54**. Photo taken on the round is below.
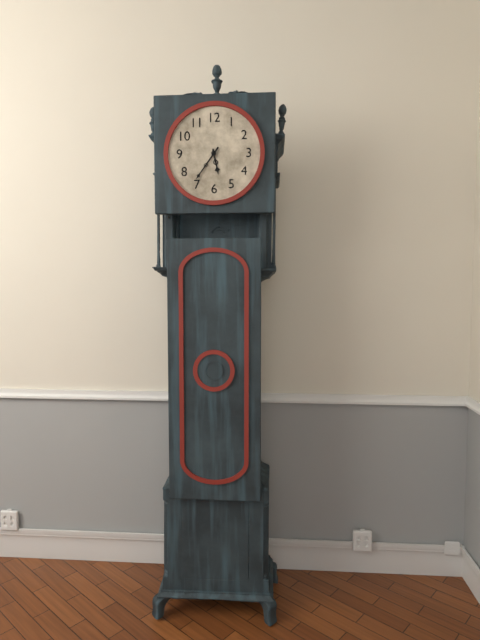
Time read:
**5:36**
